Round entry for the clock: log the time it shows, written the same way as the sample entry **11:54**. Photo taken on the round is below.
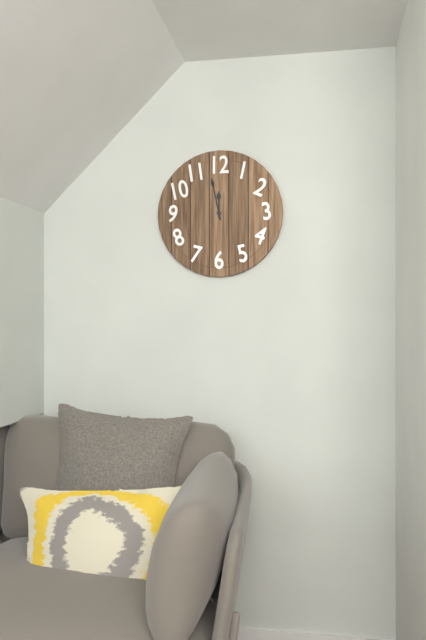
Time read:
**11:58**
